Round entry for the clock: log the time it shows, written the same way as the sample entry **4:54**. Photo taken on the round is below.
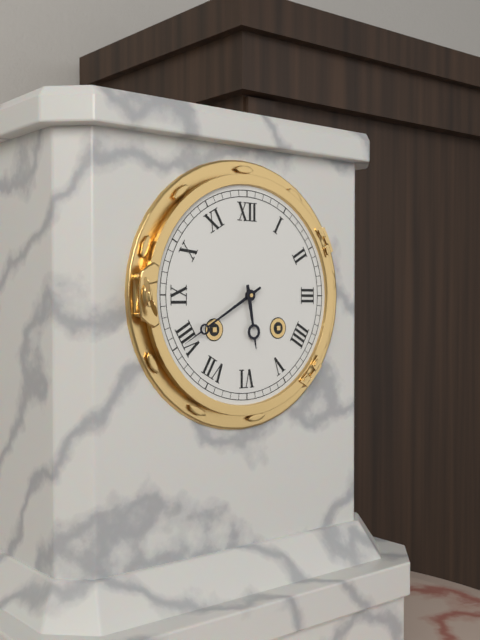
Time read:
**5:40**
